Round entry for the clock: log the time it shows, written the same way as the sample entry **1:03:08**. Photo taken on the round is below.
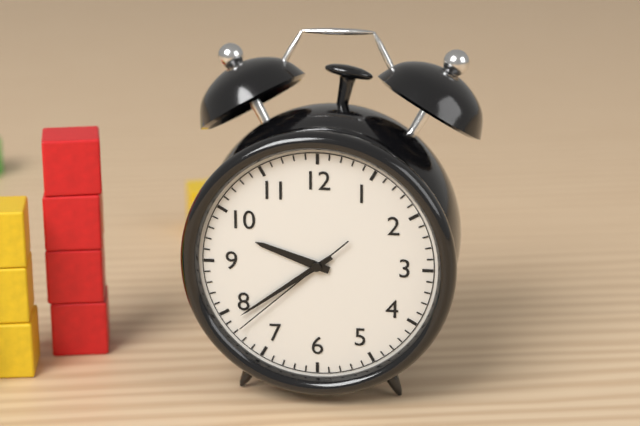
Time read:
**9:39:38**
